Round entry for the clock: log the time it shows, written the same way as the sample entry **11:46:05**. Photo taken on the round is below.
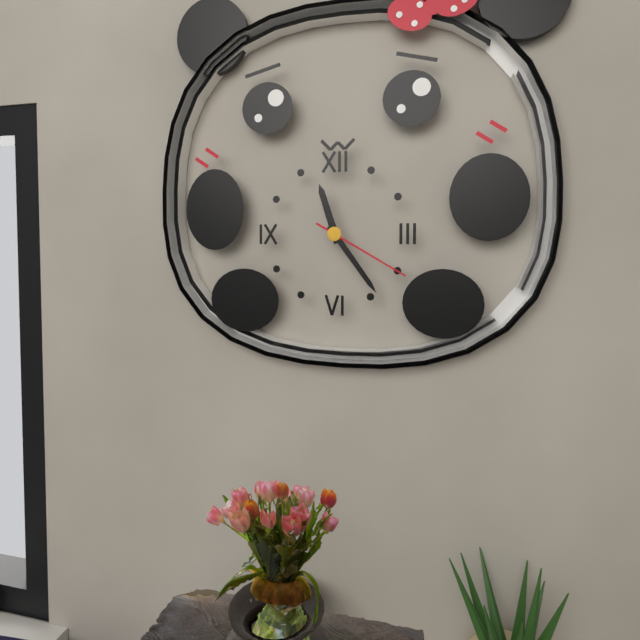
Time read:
**11:24:20**
